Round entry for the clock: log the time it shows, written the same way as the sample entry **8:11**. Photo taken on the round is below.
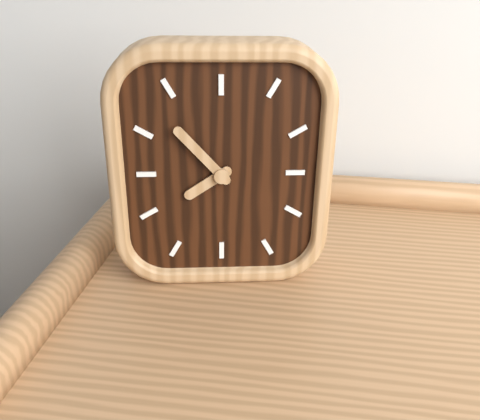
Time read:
**7:53**
